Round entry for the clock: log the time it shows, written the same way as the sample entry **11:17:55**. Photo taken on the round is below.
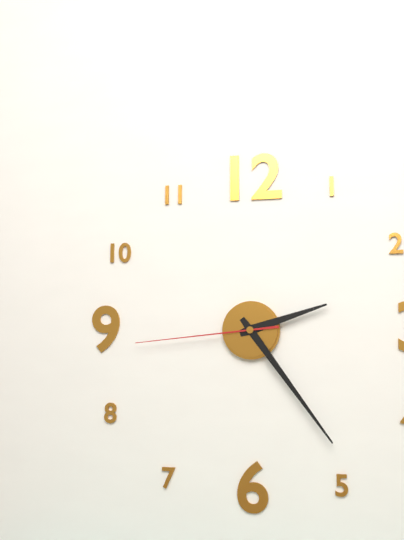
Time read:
**2:24:44**
